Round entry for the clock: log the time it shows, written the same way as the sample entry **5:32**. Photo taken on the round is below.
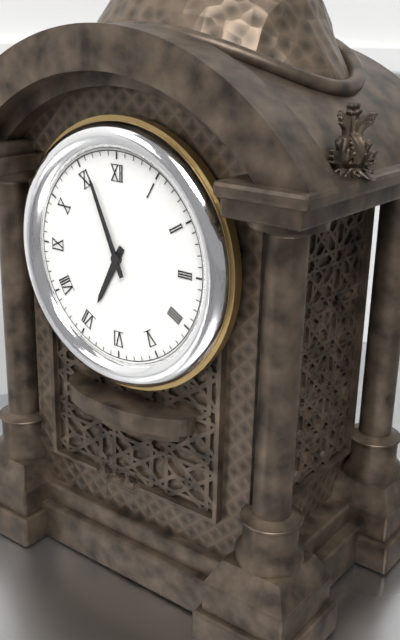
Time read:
**6:56**
